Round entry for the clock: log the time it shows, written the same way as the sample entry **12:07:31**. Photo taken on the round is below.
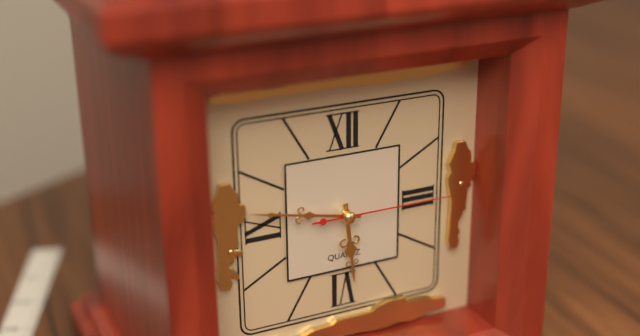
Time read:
**5:47:15**
